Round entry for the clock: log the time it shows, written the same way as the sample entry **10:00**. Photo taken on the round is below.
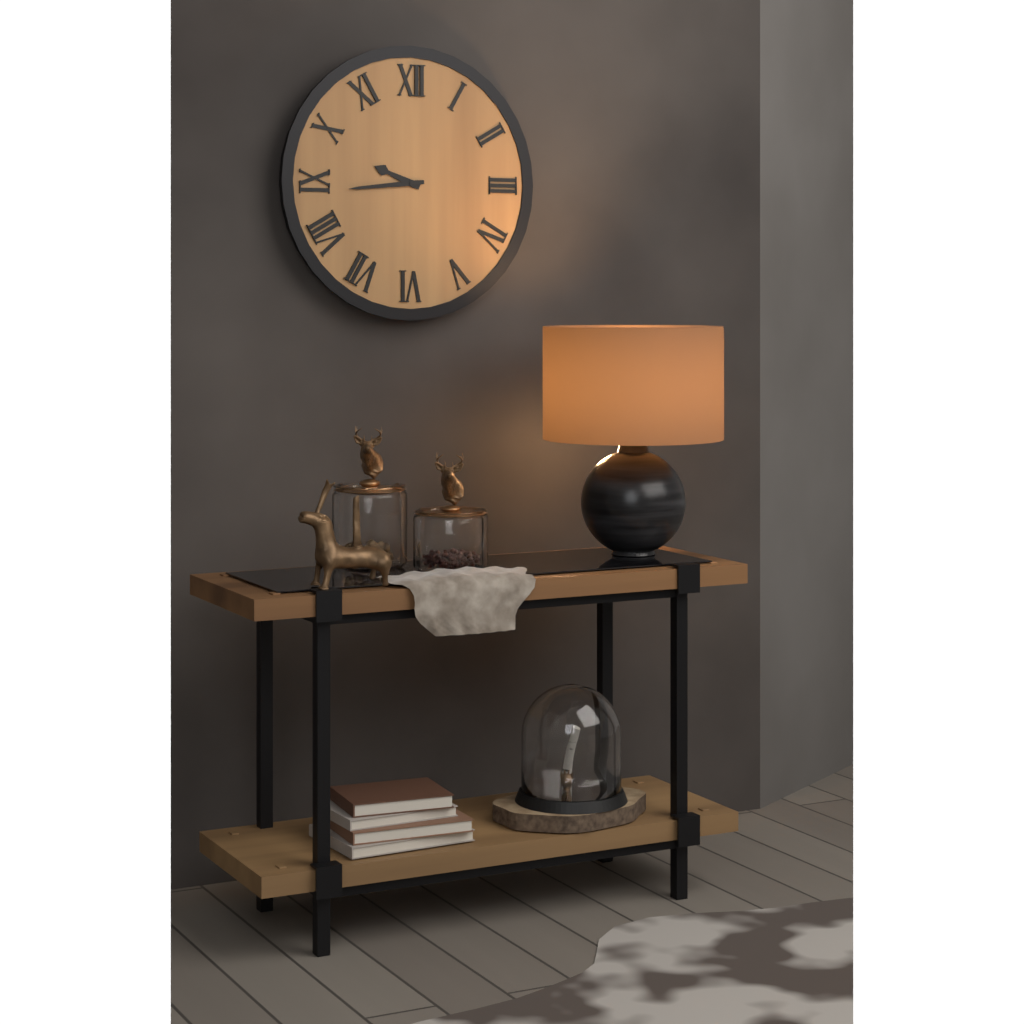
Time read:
**9:44**
